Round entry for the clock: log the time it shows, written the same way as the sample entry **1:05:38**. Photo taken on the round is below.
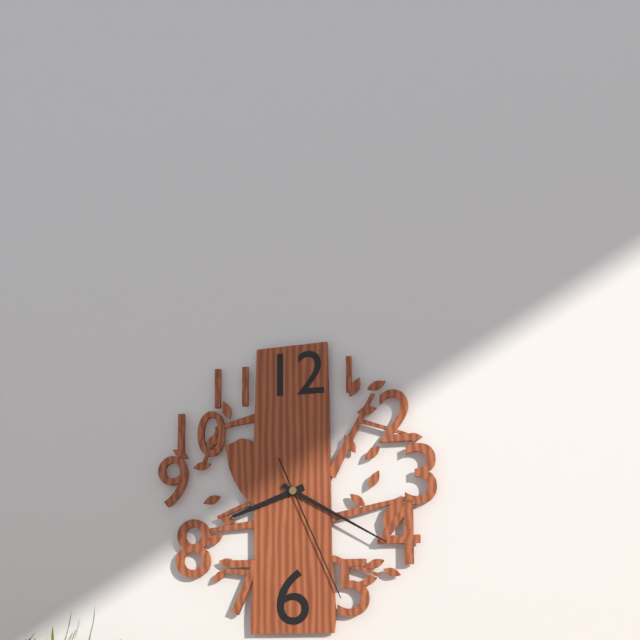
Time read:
**8:20:26**
